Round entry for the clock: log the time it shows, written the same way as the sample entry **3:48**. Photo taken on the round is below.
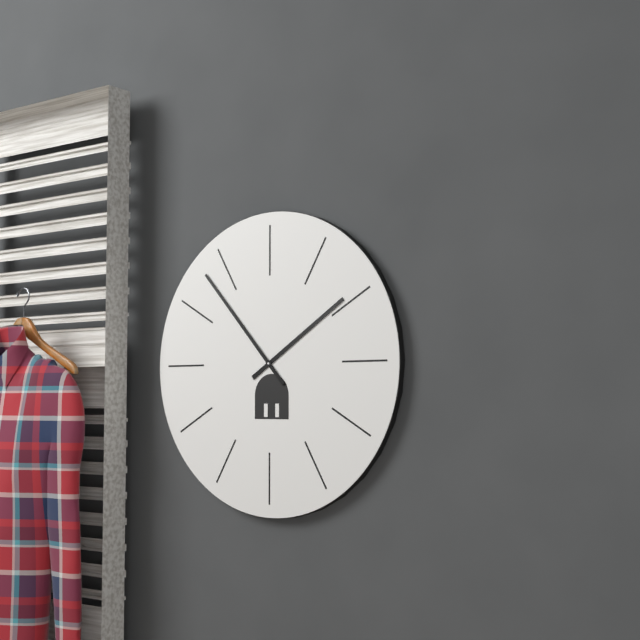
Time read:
**1:53**
